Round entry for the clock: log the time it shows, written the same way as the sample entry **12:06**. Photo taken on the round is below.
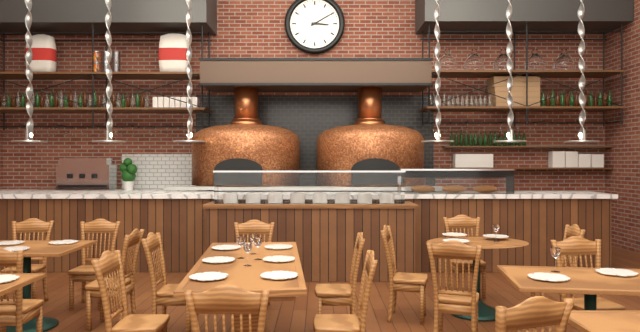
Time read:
**3:10**
